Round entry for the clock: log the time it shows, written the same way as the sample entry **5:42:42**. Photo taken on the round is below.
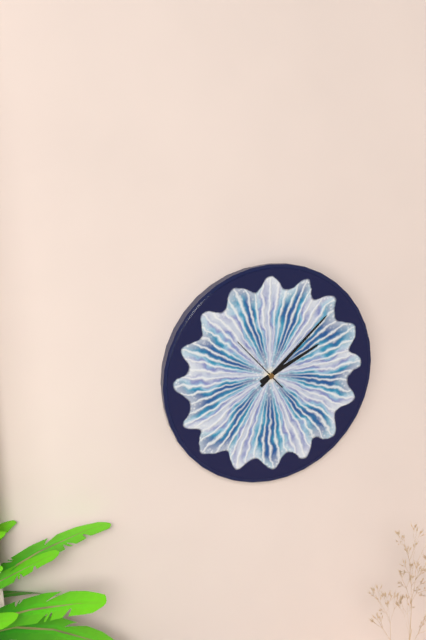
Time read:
**2:08:53**
